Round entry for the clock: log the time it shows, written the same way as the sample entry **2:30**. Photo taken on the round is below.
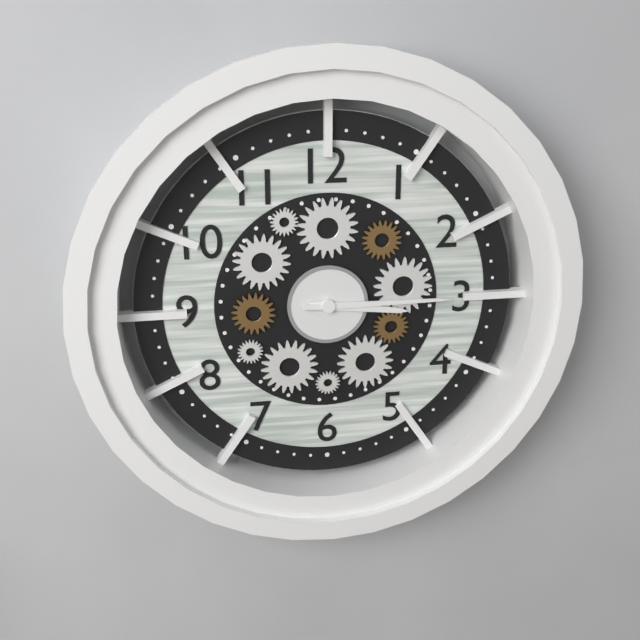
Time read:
**3:15**
